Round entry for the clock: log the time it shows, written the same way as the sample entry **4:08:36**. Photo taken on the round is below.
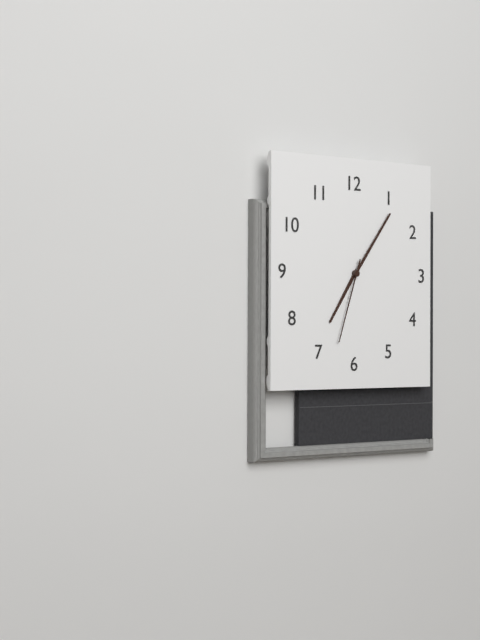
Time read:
**7:06:33**
